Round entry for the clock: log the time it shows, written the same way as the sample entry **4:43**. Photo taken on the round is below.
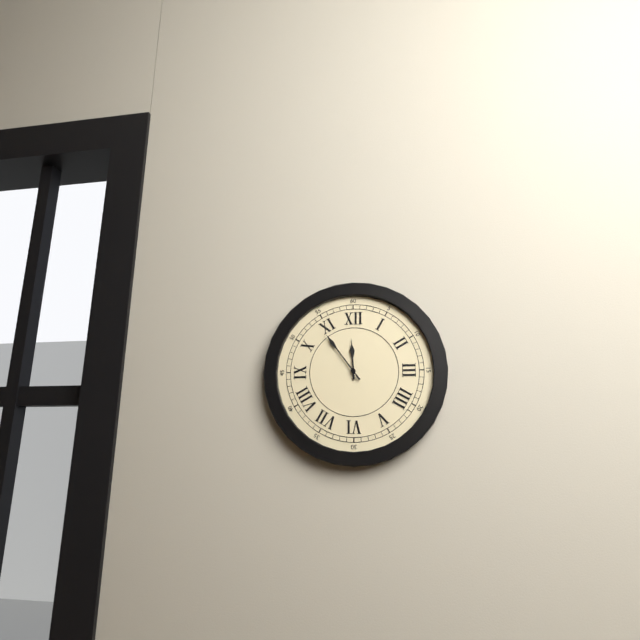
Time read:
**11:54**
